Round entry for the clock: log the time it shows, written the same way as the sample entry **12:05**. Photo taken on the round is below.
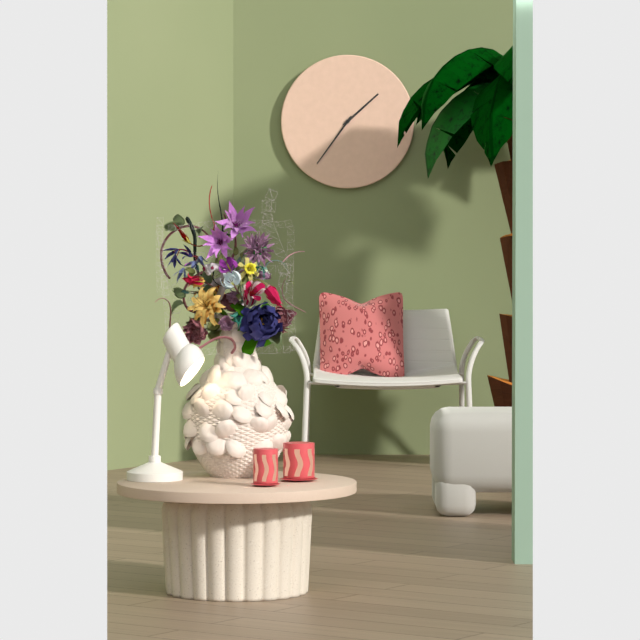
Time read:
**1:36**
